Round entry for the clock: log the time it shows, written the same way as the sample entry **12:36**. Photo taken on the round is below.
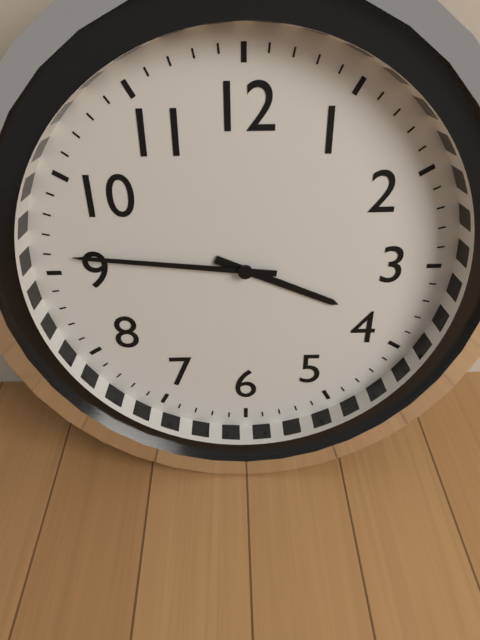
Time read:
**3:46**
